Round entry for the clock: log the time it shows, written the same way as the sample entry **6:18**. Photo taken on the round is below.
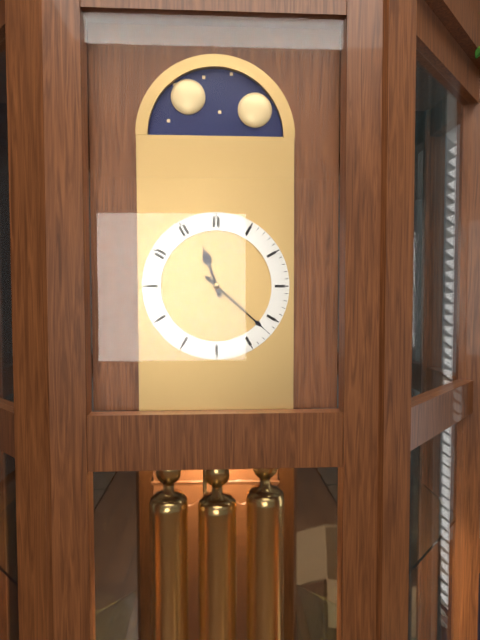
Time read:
**11:22**
